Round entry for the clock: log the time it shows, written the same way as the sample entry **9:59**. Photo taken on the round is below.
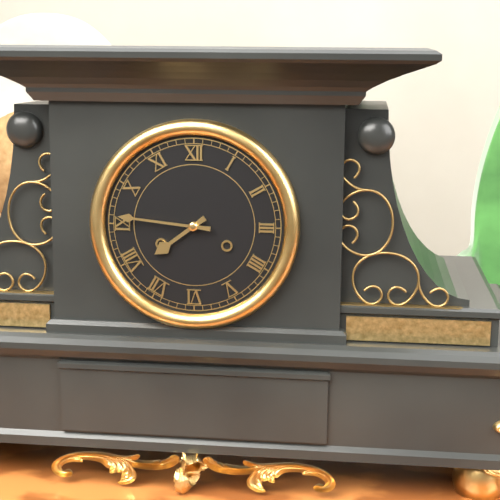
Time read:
**7:46**
